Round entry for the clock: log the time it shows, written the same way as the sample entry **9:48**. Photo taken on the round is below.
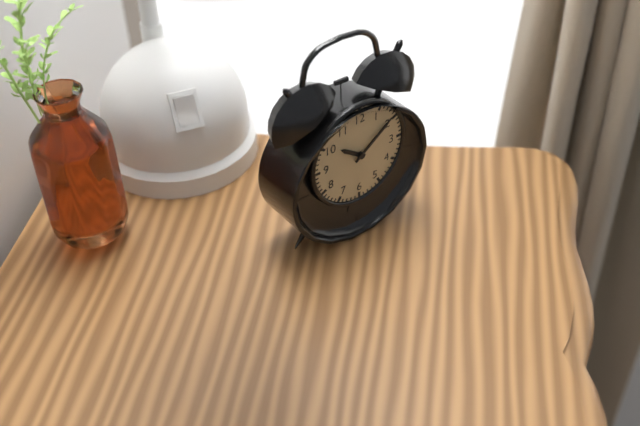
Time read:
**10:09**
